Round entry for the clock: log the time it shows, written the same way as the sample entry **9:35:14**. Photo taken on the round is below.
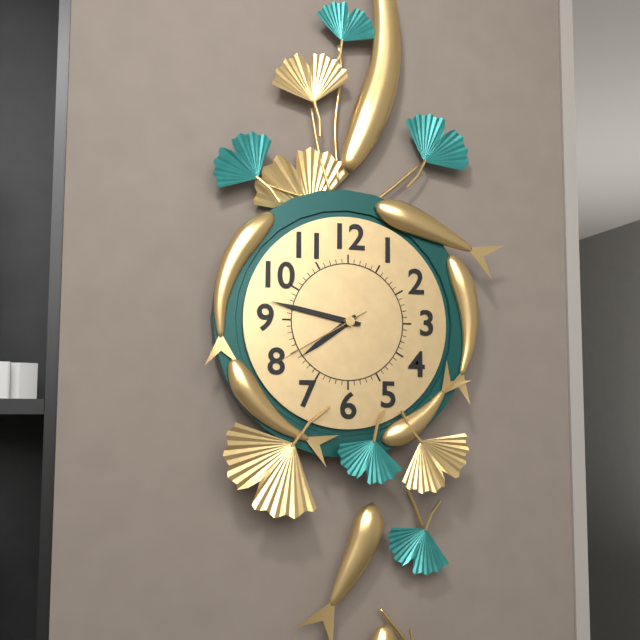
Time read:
**7:47:40**
